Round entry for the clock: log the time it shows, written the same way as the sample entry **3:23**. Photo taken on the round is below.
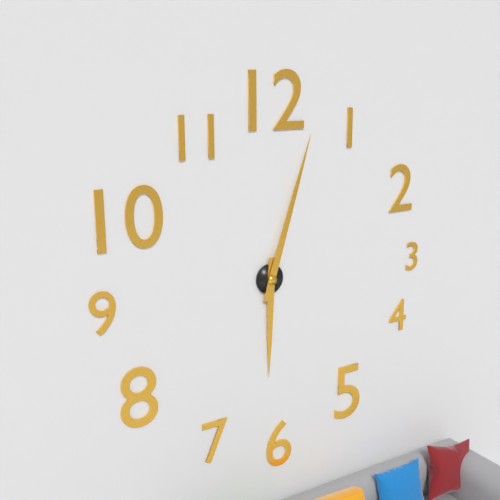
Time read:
**6:03**
